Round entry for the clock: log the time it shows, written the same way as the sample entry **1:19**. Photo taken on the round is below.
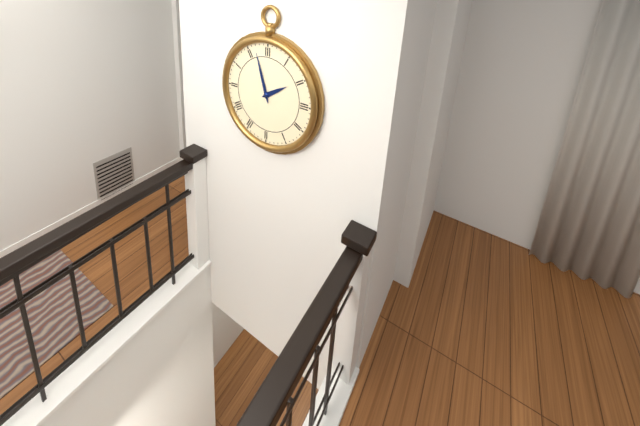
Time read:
**1:57**
